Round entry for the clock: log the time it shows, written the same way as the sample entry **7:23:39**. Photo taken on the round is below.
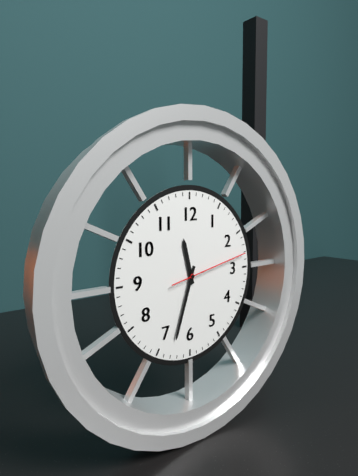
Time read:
**11:33:13**
